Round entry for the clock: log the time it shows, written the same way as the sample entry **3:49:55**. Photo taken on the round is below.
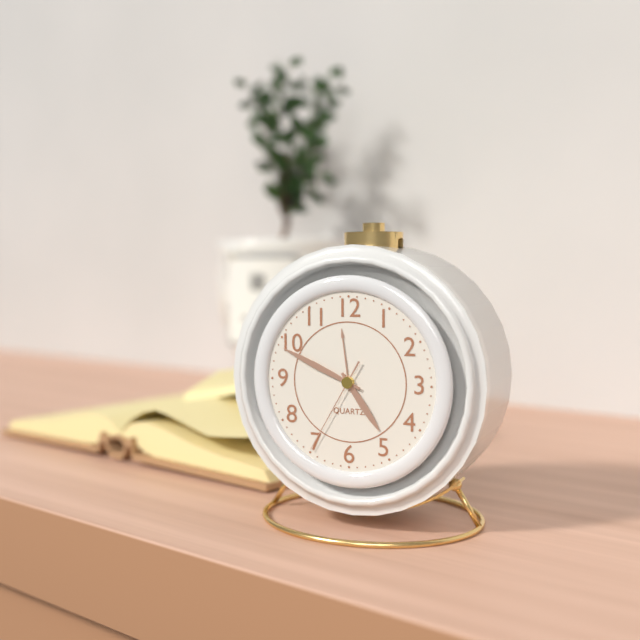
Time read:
**4:49:35**
